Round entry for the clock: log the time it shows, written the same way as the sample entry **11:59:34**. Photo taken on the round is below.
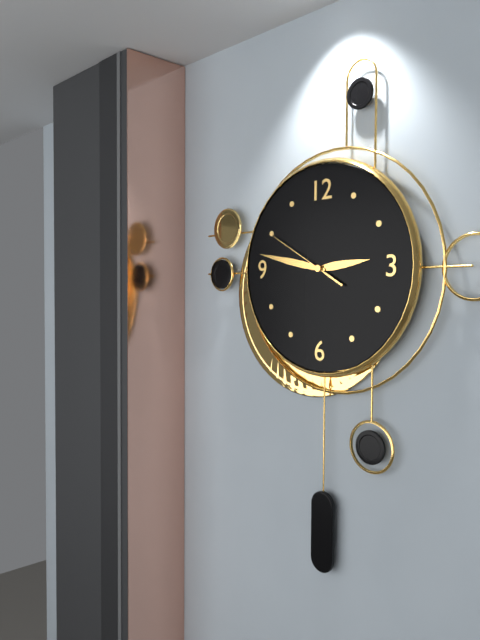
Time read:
**2:47:50**
